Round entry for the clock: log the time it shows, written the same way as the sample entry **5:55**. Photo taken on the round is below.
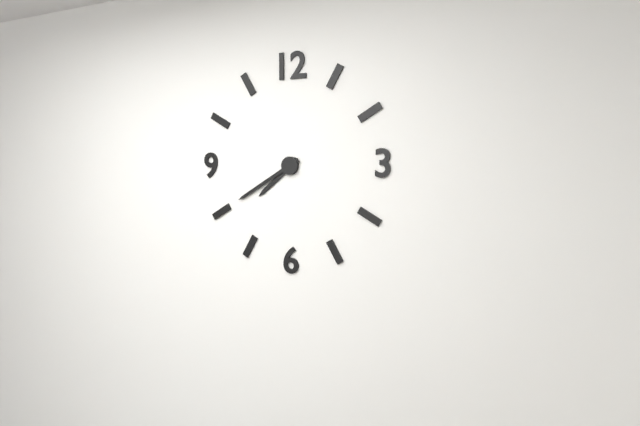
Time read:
**7:40**
